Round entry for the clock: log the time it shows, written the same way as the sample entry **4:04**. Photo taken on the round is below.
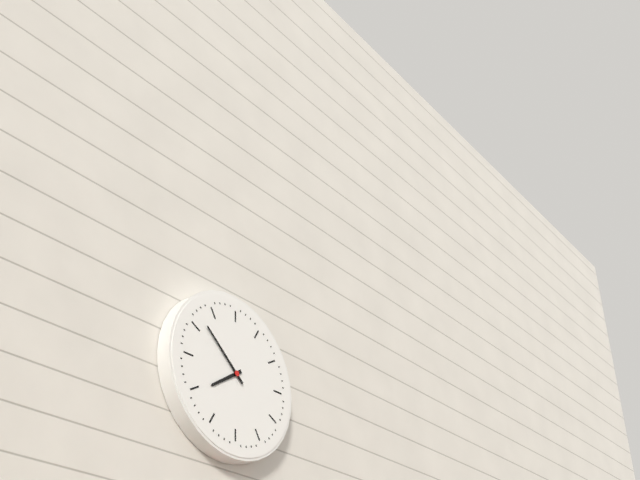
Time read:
**7:52**
